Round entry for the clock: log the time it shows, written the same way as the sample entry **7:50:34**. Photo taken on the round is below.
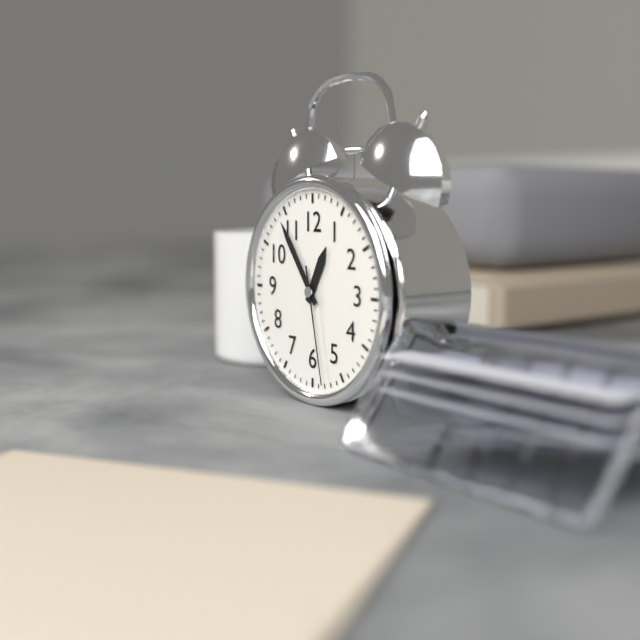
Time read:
**12:54:28**
